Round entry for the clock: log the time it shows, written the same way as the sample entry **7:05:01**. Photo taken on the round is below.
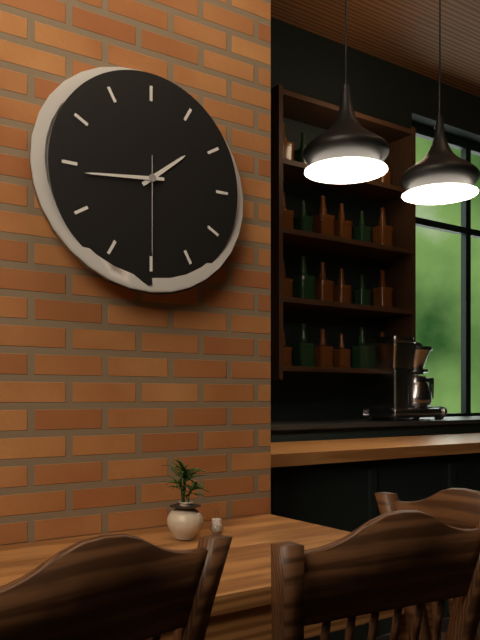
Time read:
**1:44:30**
